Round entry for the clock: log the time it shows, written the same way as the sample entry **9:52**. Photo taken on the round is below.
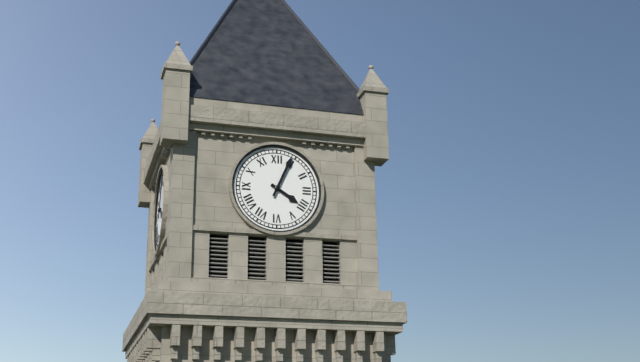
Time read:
**4:04**
